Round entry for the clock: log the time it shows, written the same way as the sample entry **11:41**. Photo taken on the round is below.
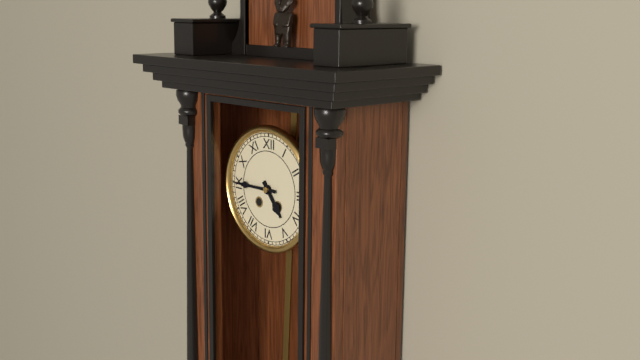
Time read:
**4:45**
